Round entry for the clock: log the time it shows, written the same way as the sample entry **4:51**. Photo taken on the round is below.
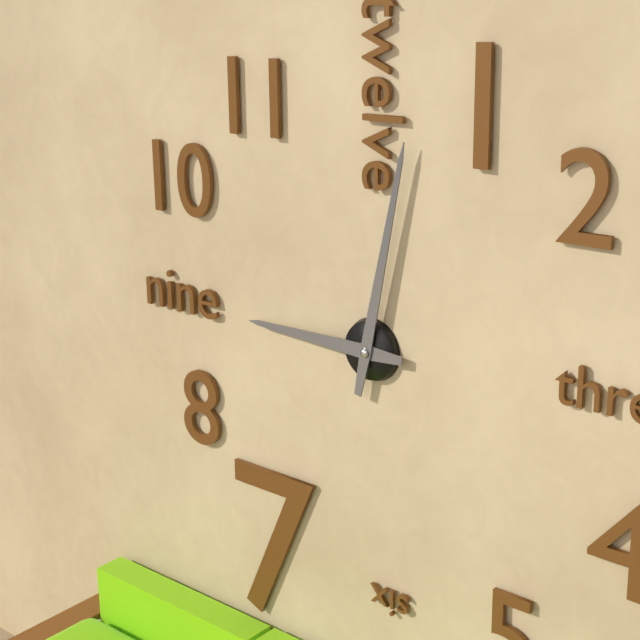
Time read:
**9:02**
